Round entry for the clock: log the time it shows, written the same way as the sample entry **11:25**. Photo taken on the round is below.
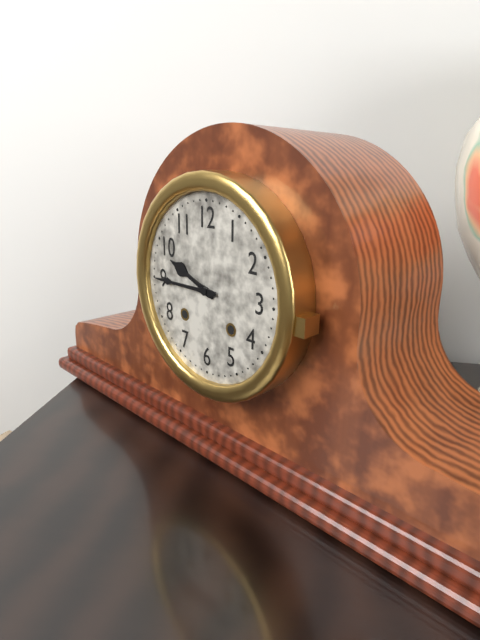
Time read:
**9:45**
